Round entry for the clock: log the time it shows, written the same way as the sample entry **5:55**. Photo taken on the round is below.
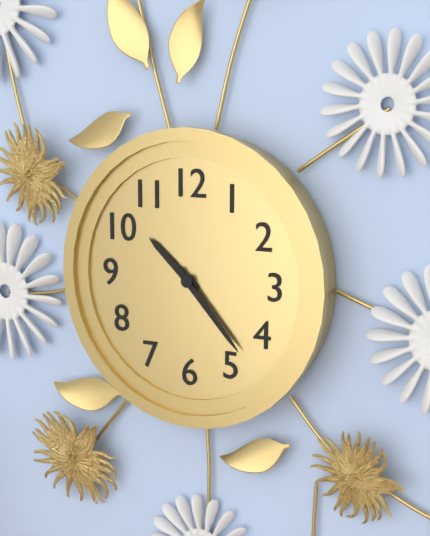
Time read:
**10:23**
